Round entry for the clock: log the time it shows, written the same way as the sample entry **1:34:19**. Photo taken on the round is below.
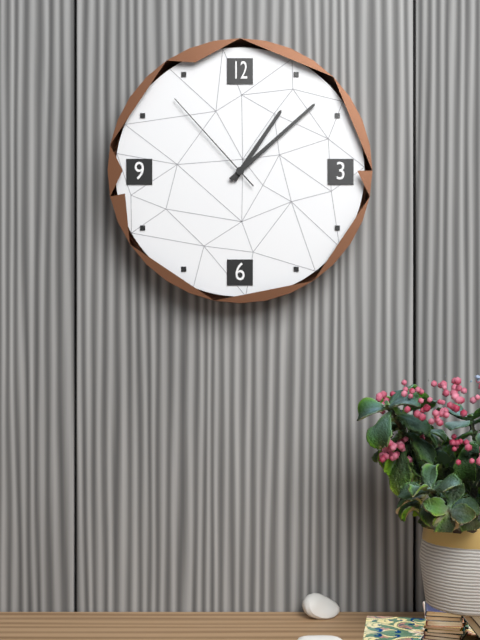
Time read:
**1:08:53**
